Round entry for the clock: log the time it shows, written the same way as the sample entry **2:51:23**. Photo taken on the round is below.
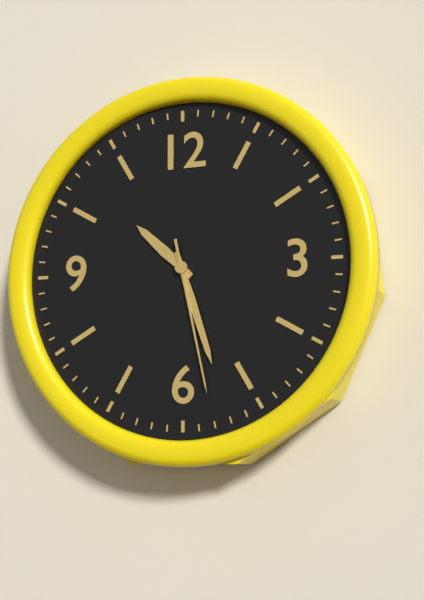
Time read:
**10:27:28**
